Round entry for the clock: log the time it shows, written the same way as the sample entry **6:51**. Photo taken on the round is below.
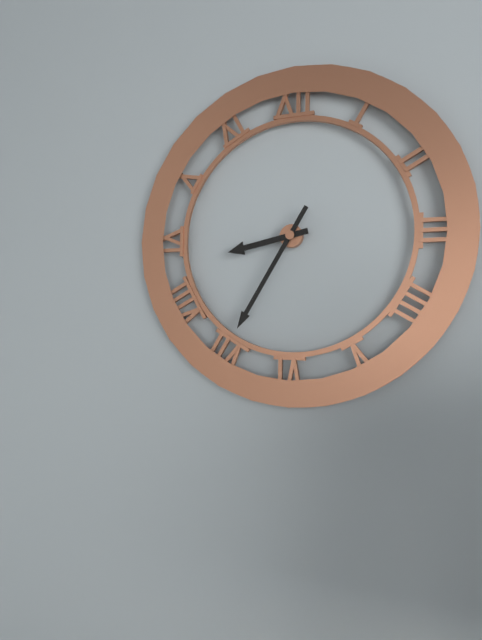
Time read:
**8:35**
